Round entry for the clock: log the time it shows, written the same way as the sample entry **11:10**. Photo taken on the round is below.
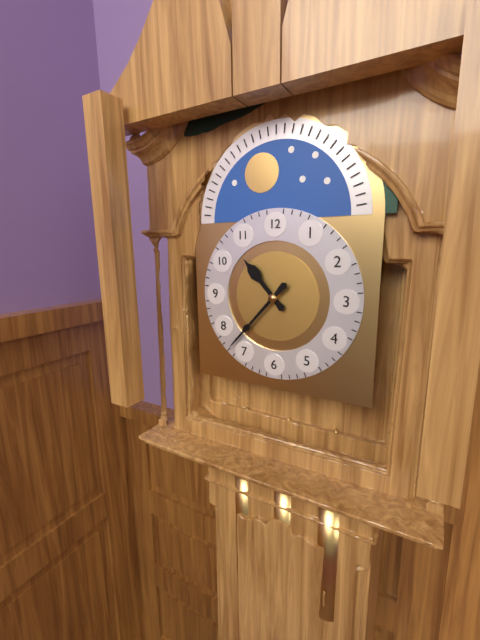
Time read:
**10:37**
